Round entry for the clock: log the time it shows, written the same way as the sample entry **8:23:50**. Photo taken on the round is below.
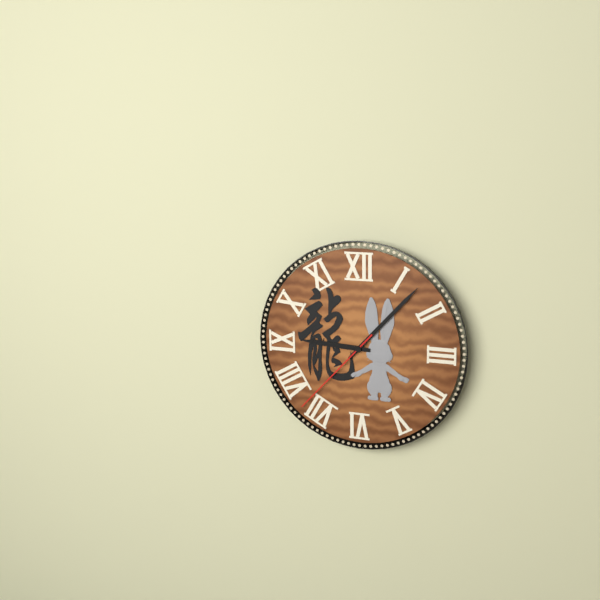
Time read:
**9:07:37**
